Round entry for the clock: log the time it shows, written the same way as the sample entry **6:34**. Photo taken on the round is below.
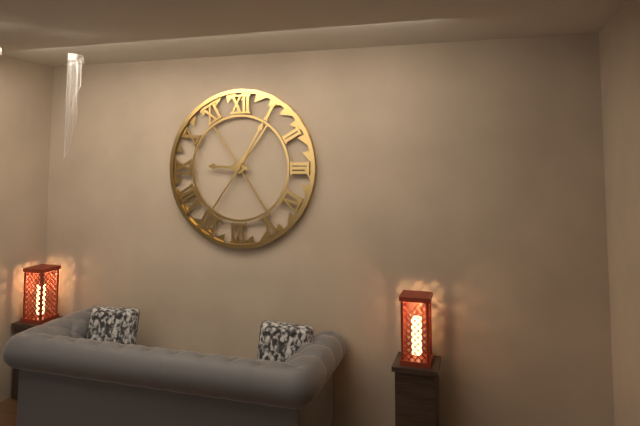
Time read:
**9:05**
